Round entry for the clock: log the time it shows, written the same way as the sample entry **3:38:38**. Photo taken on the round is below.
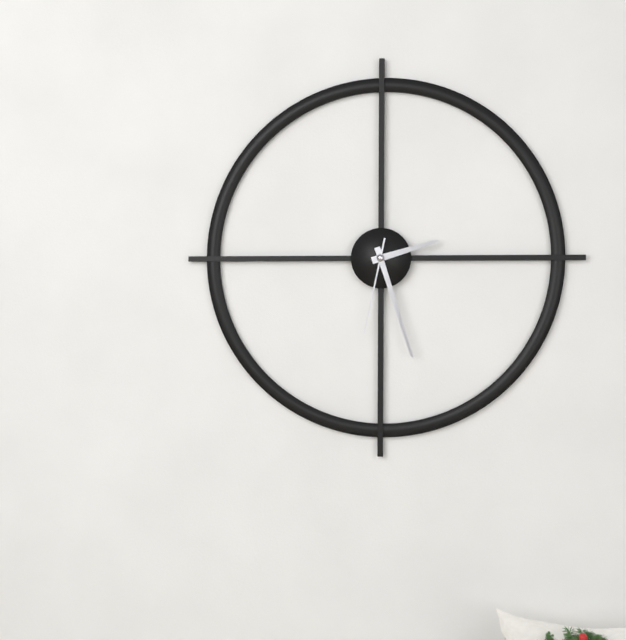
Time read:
**2:27:32**
